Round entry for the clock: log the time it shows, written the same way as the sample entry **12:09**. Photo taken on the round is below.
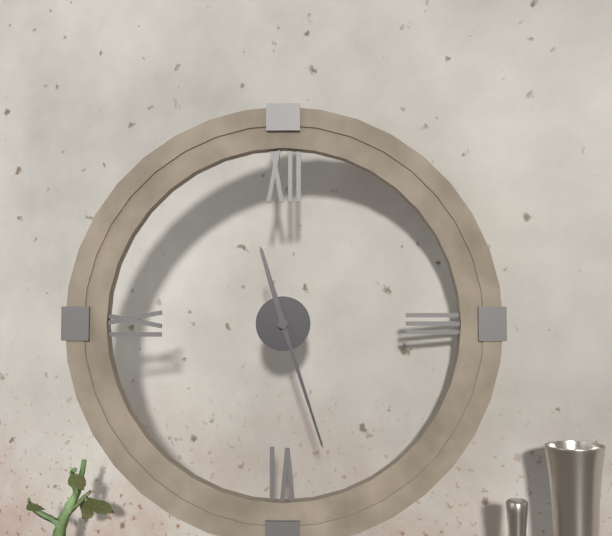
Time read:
**11:27**
